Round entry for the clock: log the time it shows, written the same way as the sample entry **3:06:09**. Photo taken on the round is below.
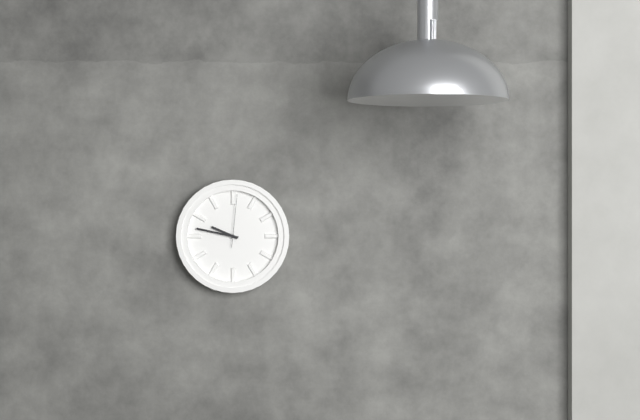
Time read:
**9:47:01**
